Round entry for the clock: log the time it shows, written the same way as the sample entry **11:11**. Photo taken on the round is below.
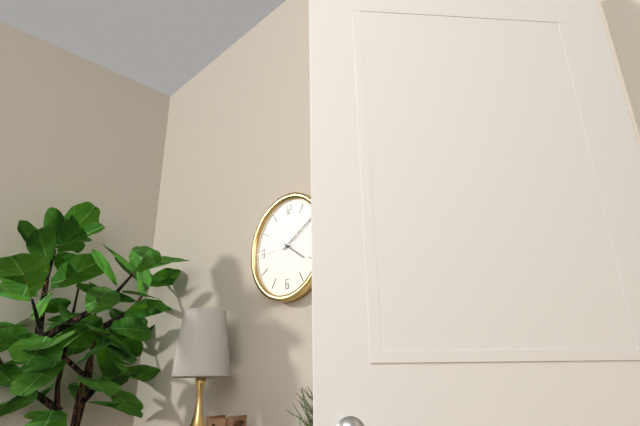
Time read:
**4:10**
